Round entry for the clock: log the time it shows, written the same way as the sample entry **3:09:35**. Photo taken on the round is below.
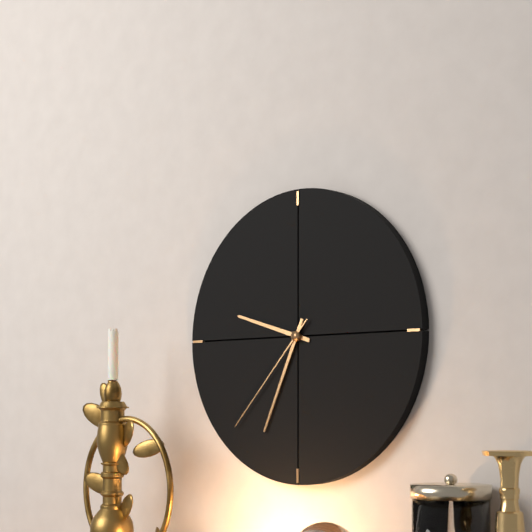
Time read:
**9:34:37**
